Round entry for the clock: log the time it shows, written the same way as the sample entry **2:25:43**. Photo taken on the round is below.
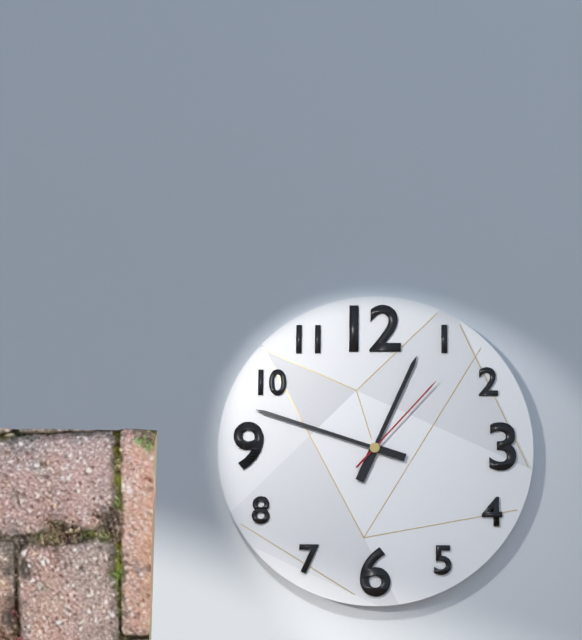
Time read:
**12:48:07**
